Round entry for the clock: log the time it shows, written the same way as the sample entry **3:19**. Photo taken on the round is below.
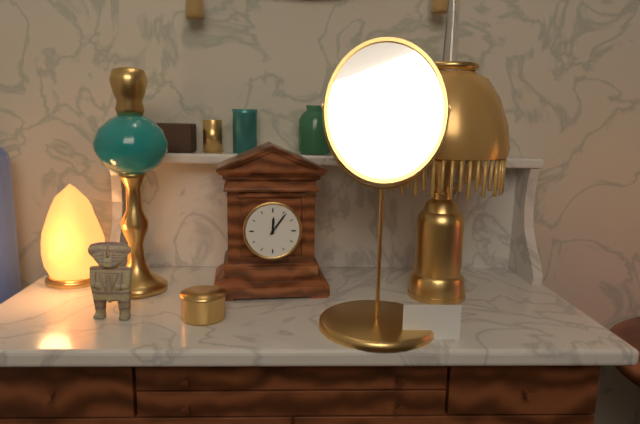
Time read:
**12:06**
